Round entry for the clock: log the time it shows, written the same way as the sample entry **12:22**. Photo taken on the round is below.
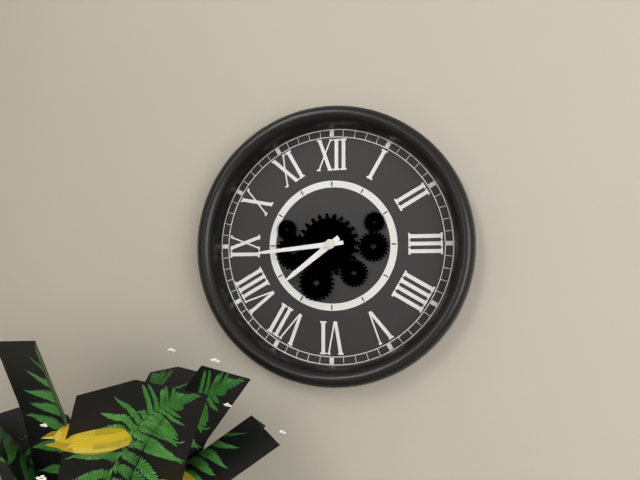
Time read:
**7:44**
